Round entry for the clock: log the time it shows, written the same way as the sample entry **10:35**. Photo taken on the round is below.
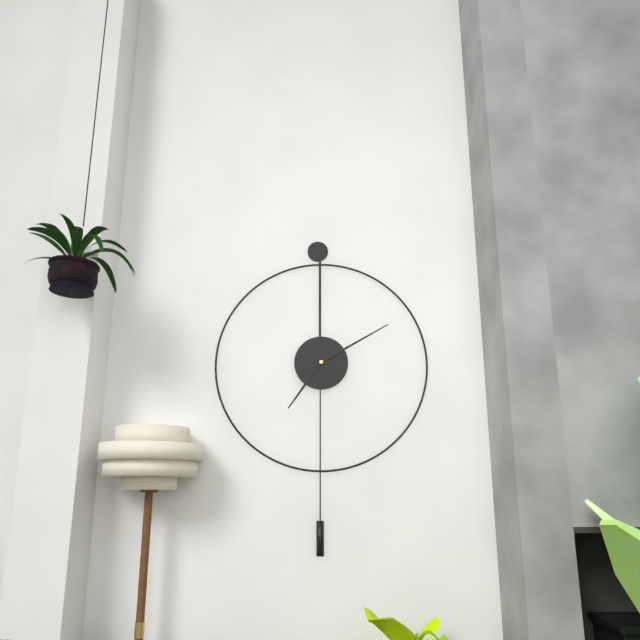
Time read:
**7:10**
